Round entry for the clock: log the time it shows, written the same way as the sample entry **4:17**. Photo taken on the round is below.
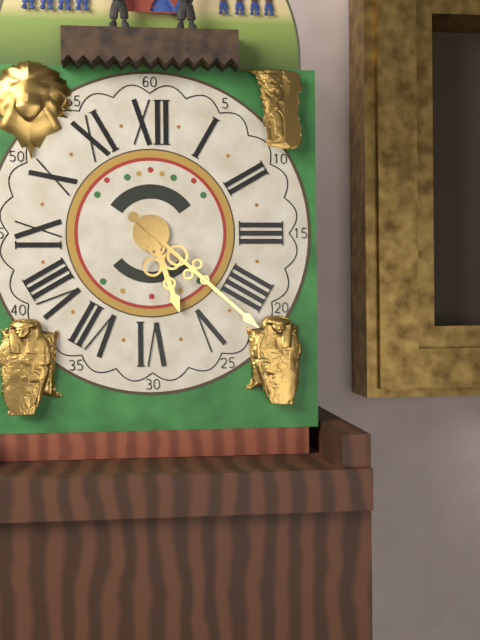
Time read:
**5:22**
